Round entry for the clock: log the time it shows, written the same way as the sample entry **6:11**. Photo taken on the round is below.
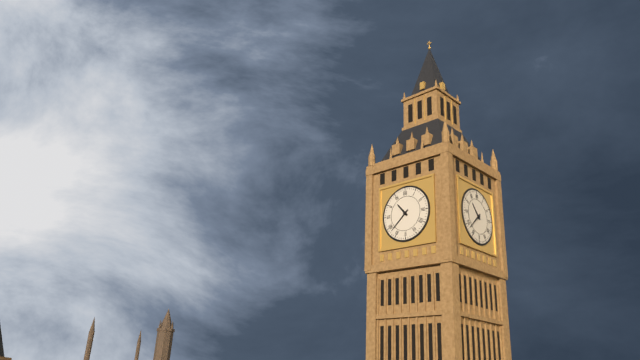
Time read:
**10:38**
